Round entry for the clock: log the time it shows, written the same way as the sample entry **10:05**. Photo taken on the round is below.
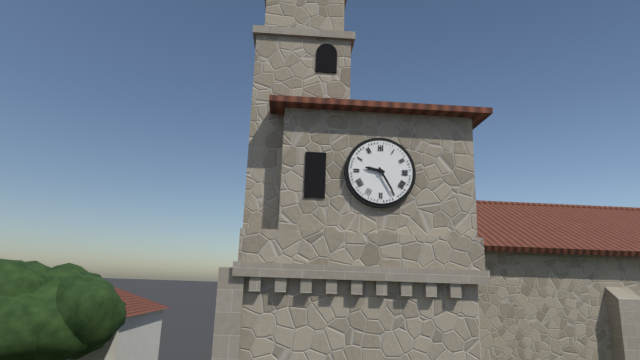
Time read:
**9:25**
